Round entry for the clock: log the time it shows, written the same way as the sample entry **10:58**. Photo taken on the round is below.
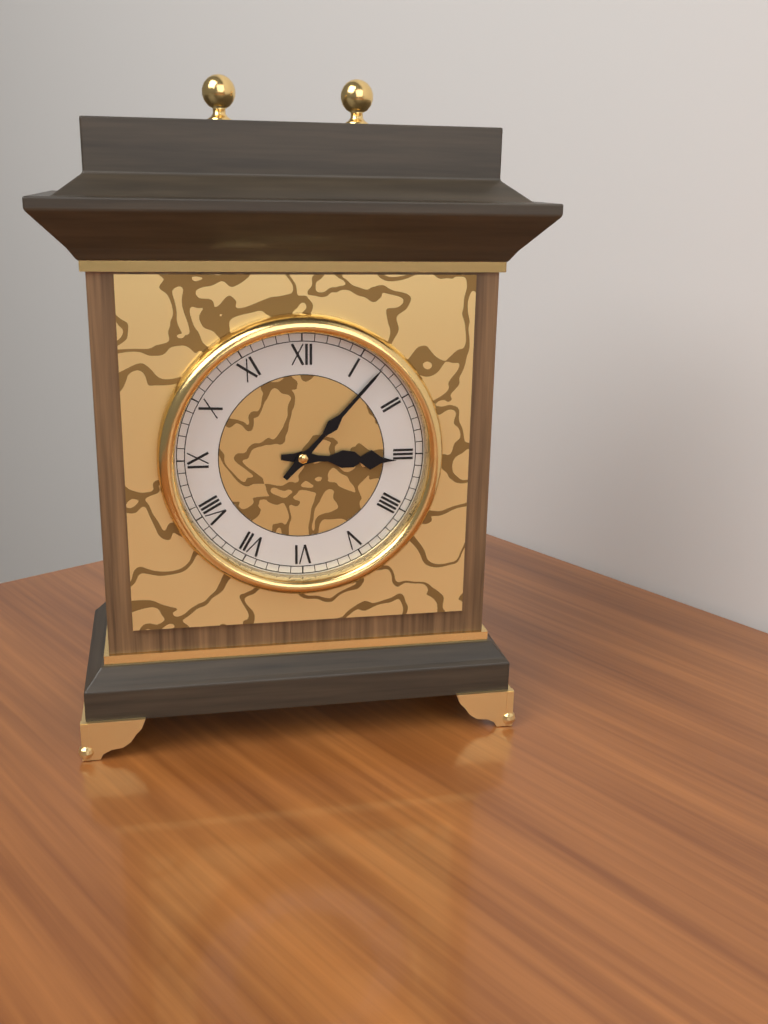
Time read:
**3:07**
